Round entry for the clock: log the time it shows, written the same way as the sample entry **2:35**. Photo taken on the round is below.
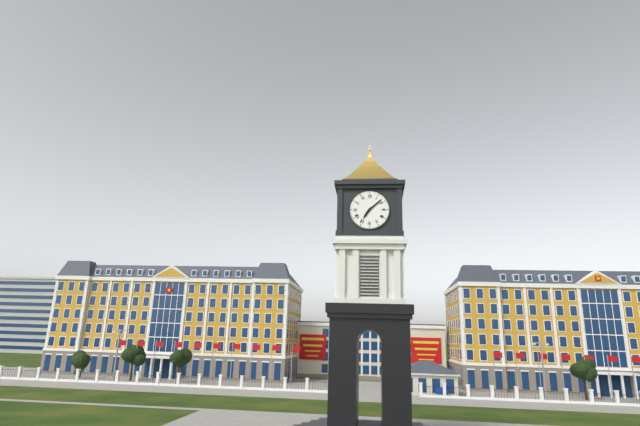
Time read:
**7:08**
